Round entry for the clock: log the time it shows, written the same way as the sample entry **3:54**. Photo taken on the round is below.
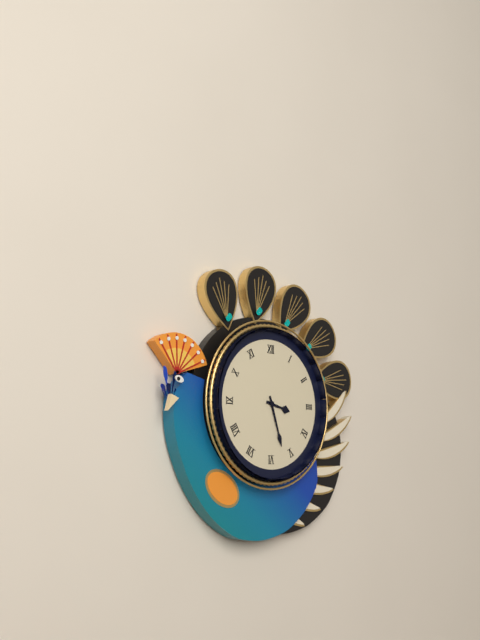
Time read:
**3:27**
